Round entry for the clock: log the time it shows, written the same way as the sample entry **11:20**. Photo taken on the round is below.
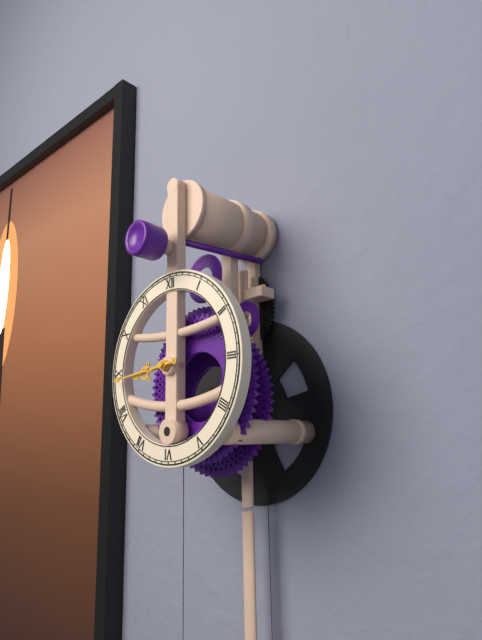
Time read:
**8:44**
